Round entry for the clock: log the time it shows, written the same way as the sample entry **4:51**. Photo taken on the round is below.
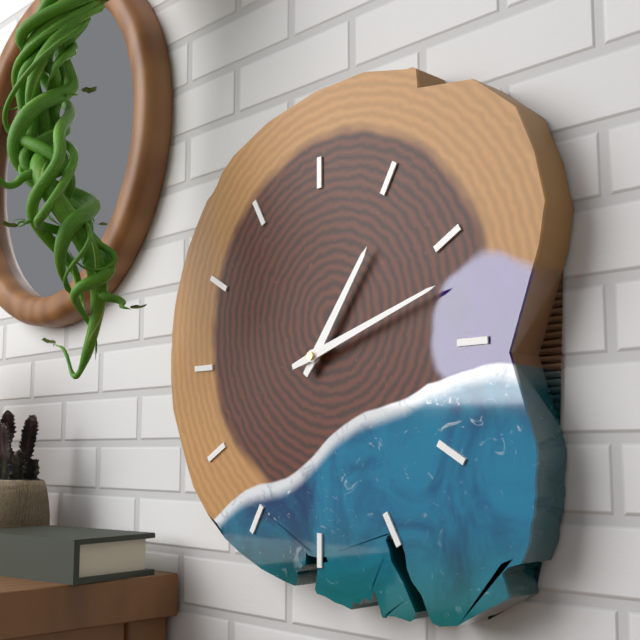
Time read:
**1:12**
